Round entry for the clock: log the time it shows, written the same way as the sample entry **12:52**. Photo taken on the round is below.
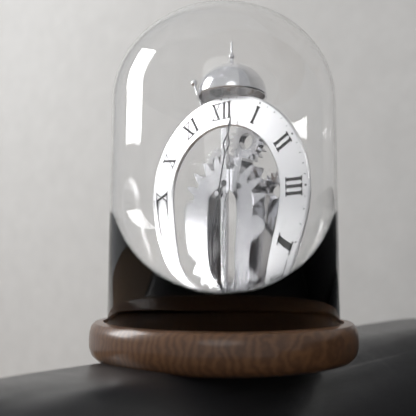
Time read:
**7:02**
